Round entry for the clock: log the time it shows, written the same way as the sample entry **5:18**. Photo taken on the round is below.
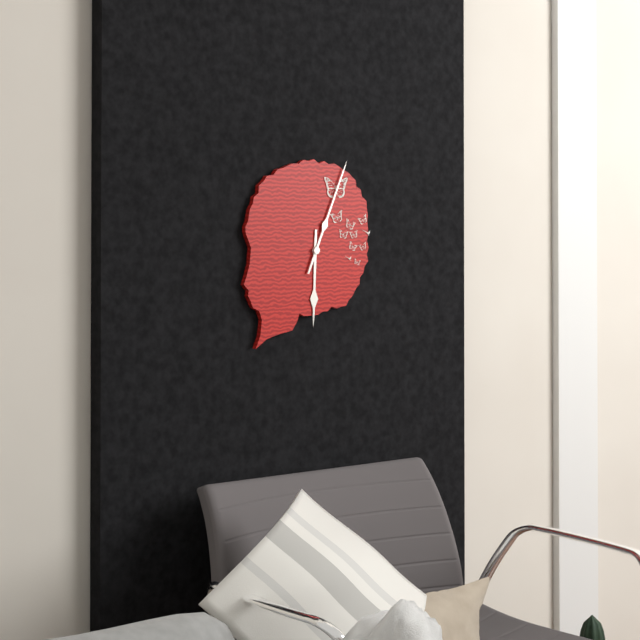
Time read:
**6:04**
